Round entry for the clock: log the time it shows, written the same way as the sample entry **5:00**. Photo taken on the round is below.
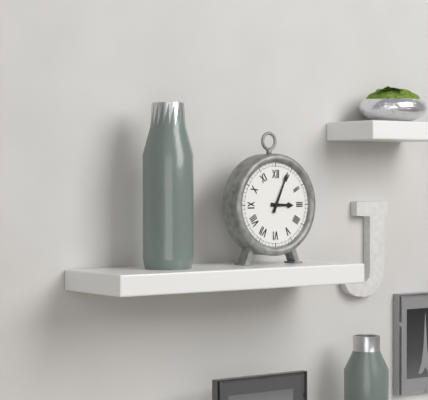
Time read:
**3:04**
